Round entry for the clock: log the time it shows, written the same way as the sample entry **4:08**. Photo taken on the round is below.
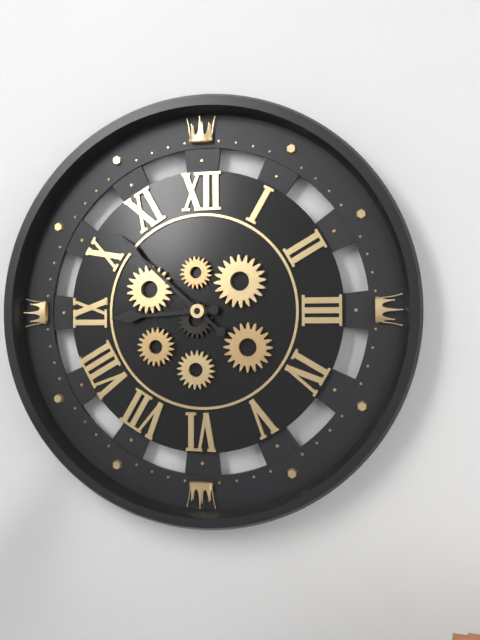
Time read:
**8:52**
